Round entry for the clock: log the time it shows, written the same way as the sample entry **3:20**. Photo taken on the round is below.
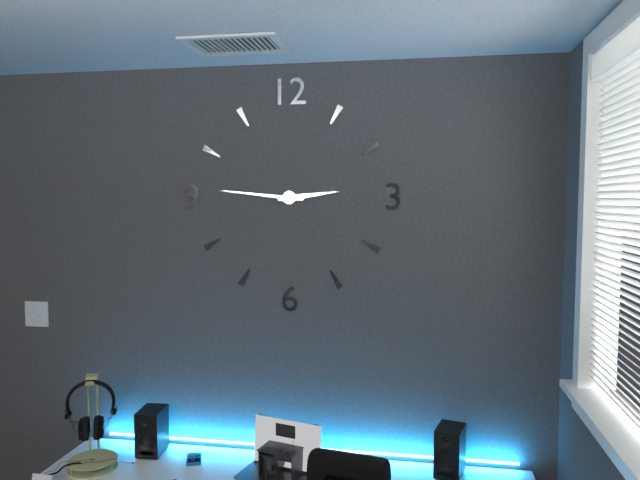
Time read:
**2:46**
